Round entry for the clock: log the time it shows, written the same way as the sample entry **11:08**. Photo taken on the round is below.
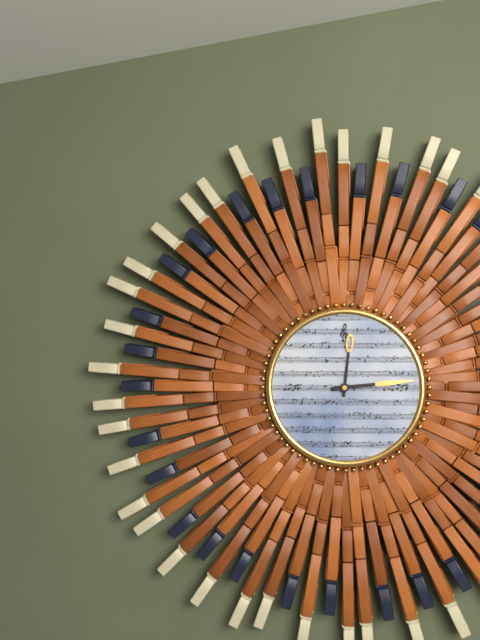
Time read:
**12:14**
